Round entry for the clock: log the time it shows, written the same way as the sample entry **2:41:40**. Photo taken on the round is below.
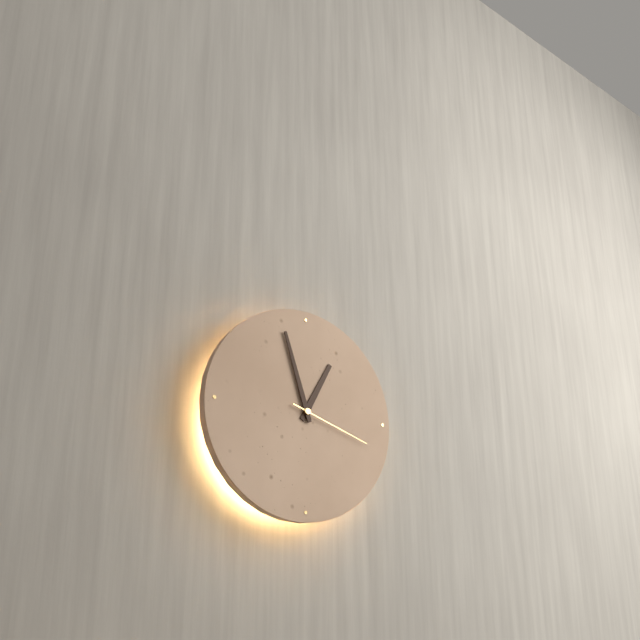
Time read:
**12:57:18**
